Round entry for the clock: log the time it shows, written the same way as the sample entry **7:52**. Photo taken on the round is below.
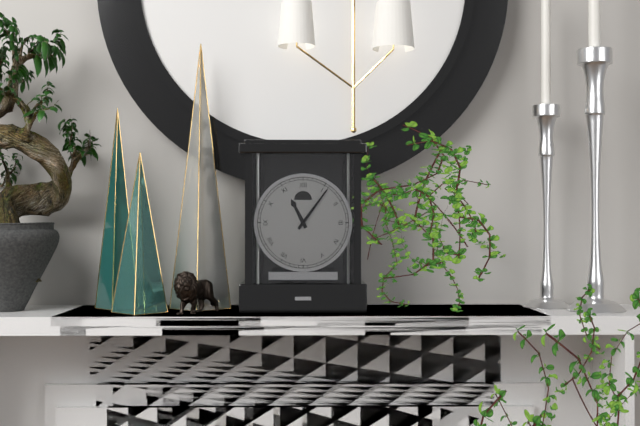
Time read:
**11:06**
